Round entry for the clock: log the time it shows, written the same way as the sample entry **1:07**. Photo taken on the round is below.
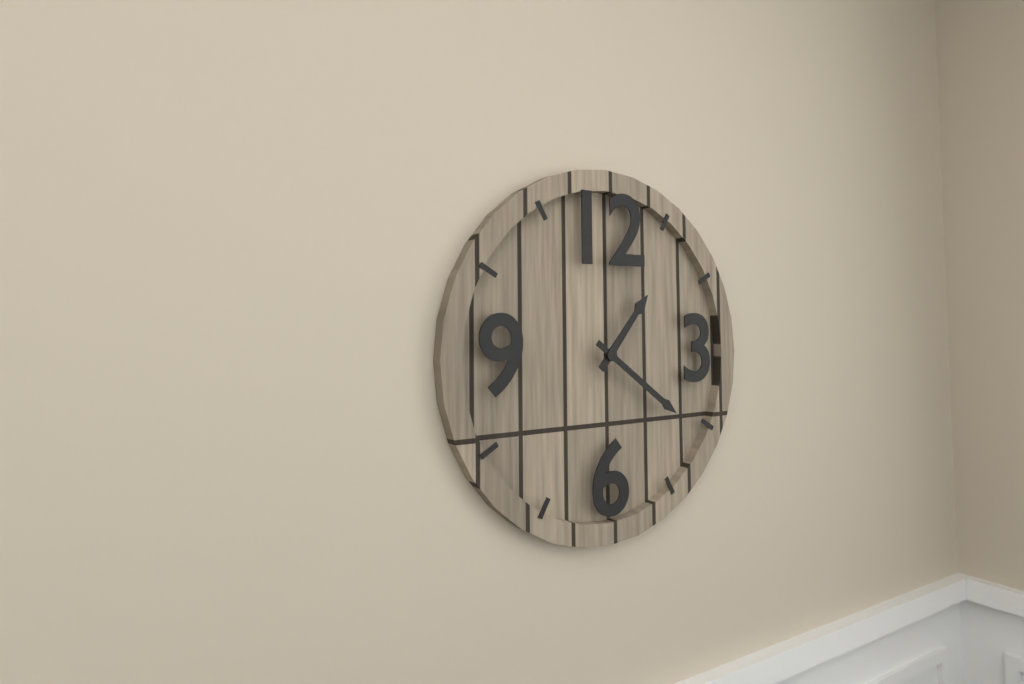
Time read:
**1:21**
